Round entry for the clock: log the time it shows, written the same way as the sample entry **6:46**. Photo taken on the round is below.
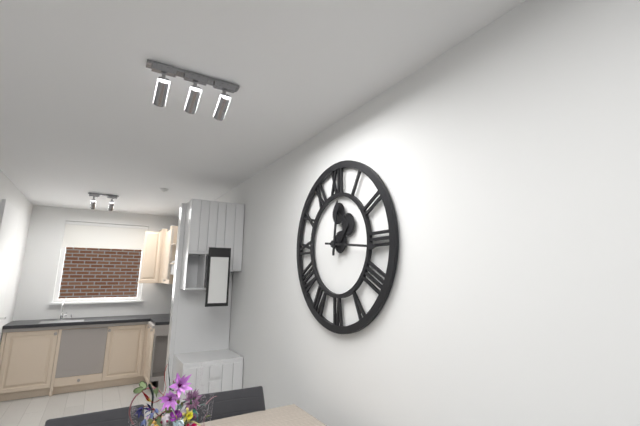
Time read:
**12:16**
